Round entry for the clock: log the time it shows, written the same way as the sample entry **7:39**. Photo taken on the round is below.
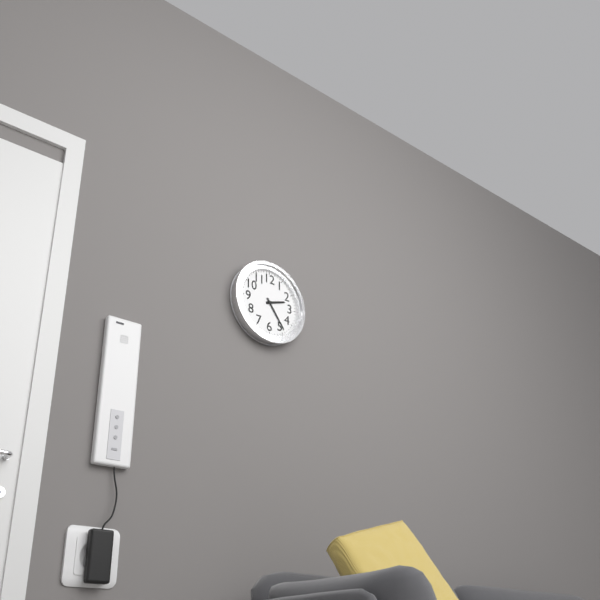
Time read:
**2:24**
